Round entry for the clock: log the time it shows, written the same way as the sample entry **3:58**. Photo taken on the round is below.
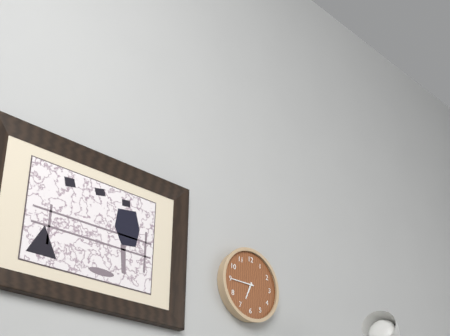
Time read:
**6:45**
